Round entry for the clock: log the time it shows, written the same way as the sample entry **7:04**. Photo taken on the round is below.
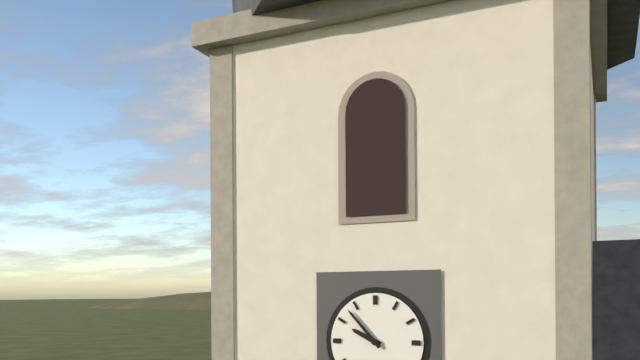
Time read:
**9:53**
